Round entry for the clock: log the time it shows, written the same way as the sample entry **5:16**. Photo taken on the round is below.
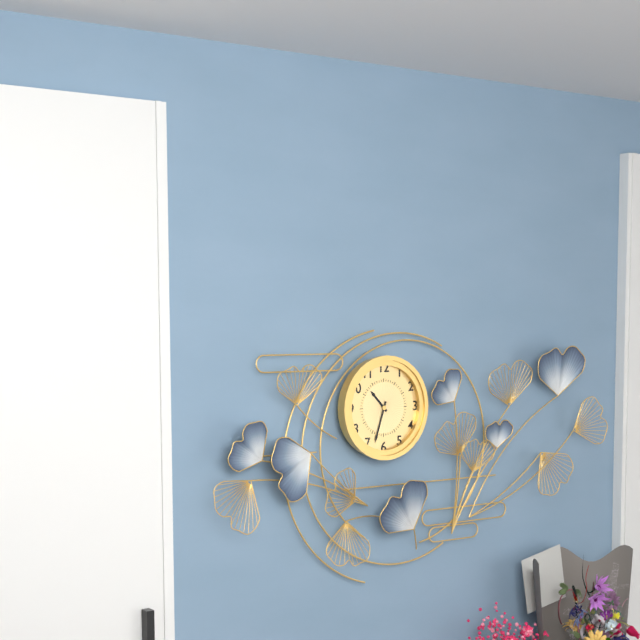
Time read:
**10:33**
